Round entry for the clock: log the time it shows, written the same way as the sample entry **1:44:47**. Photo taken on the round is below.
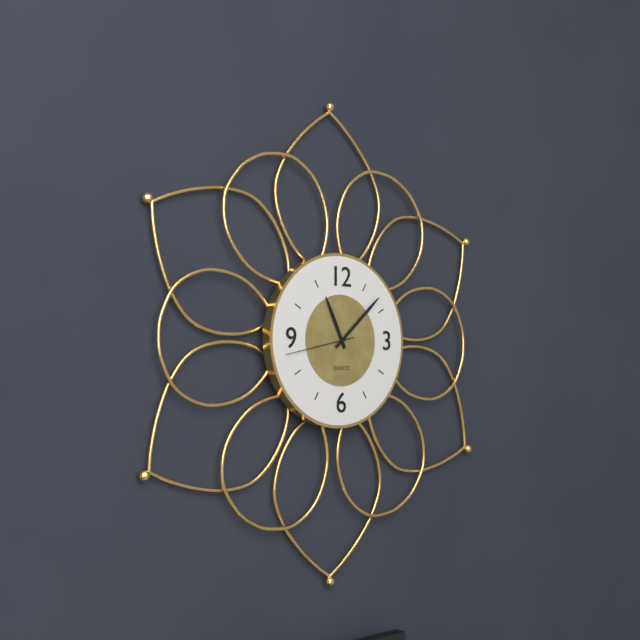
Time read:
**11:08:43**
